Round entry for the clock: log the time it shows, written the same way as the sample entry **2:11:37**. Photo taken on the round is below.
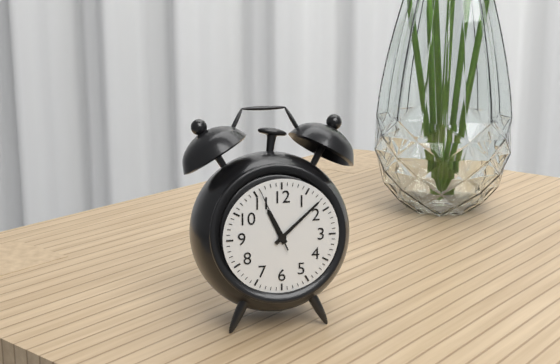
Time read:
**11:08:56**
